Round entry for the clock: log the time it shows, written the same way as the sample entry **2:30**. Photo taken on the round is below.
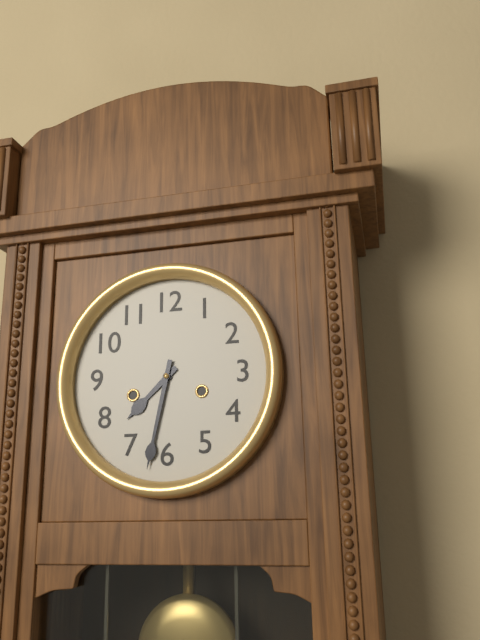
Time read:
**7:32**
